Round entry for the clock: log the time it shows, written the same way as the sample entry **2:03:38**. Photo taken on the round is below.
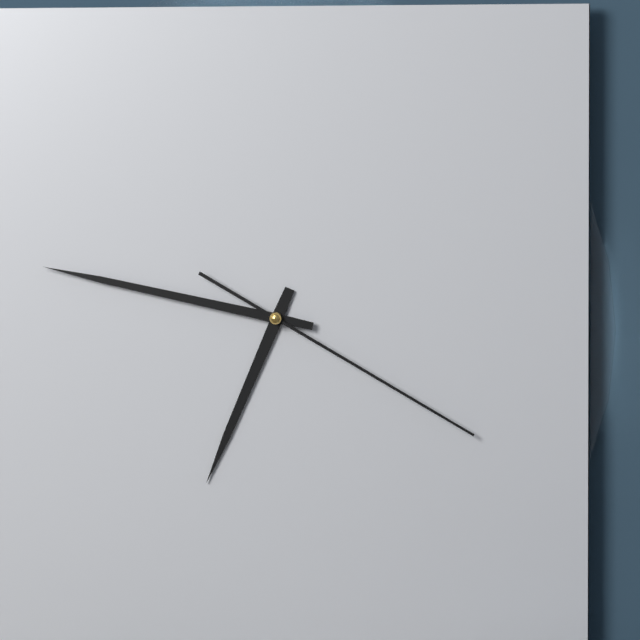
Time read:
**6:47:20**
